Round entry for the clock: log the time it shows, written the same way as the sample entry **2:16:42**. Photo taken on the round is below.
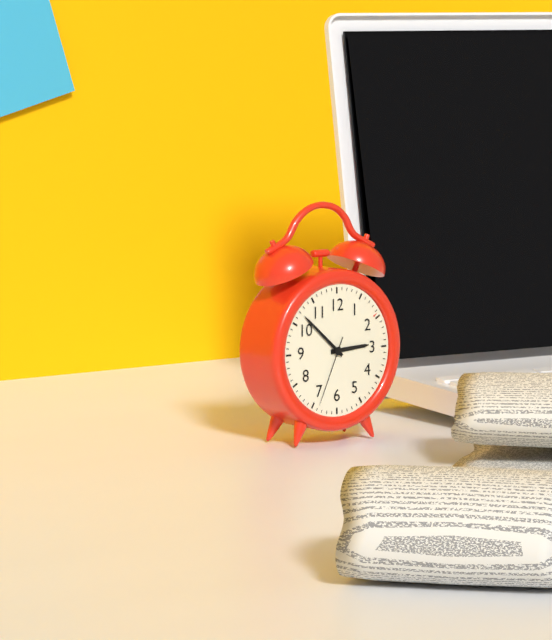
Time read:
**2:52:34**
